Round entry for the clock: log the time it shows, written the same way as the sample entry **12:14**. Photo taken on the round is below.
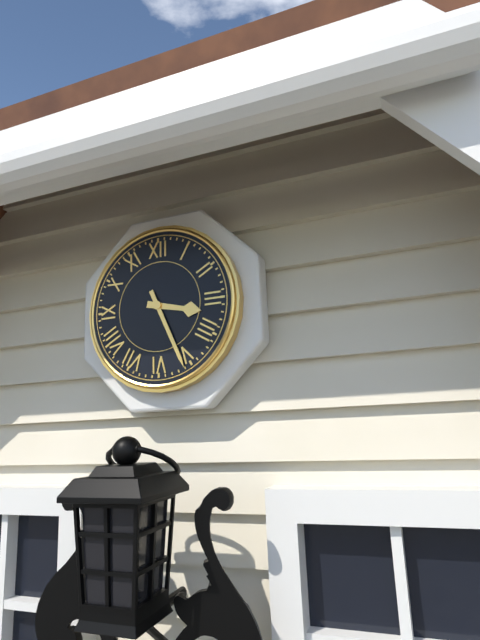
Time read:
**3:26**
